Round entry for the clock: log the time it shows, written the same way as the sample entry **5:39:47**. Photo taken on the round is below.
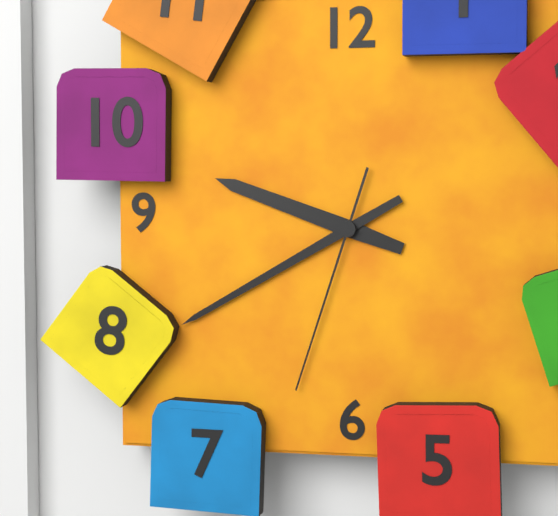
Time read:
**9:40:33**
